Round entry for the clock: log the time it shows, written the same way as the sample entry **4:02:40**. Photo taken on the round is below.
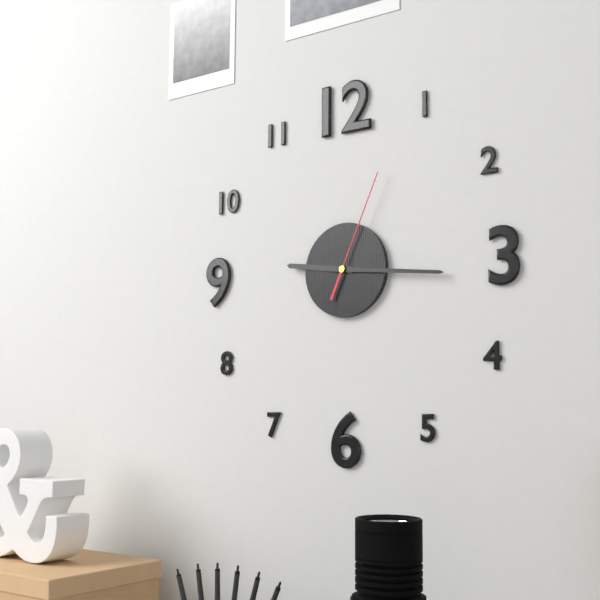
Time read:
**9:16:04**
